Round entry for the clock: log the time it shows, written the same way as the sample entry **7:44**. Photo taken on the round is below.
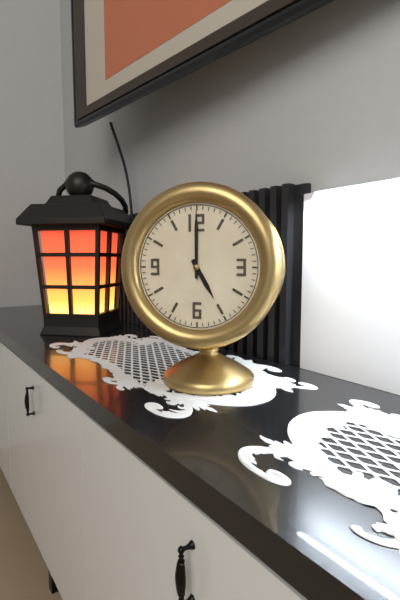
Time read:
**5:00**
